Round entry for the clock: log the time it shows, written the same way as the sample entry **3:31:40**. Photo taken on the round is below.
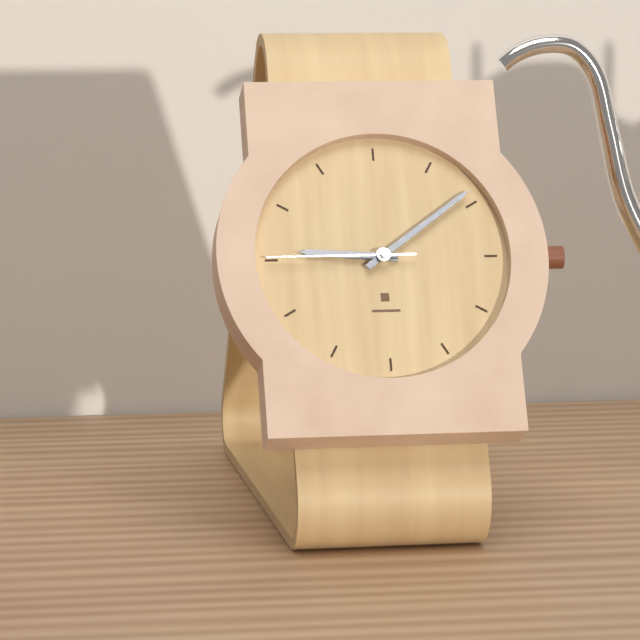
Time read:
**9:09:45**
